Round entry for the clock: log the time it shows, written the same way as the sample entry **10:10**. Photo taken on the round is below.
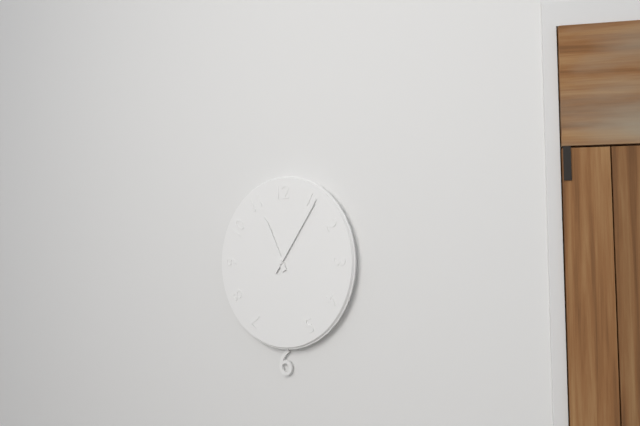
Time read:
**11:06**
